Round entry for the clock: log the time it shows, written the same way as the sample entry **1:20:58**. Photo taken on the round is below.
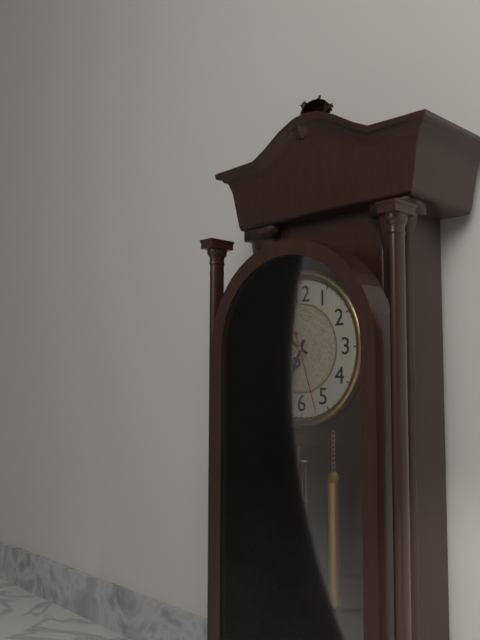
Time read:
**6:50:27**
